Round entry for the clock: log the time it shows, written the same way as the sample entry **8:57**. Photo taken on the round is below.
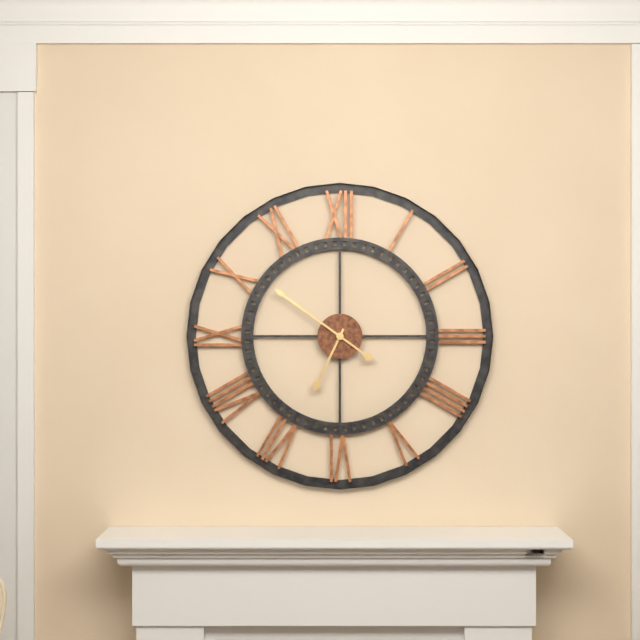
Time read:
**6:51**
